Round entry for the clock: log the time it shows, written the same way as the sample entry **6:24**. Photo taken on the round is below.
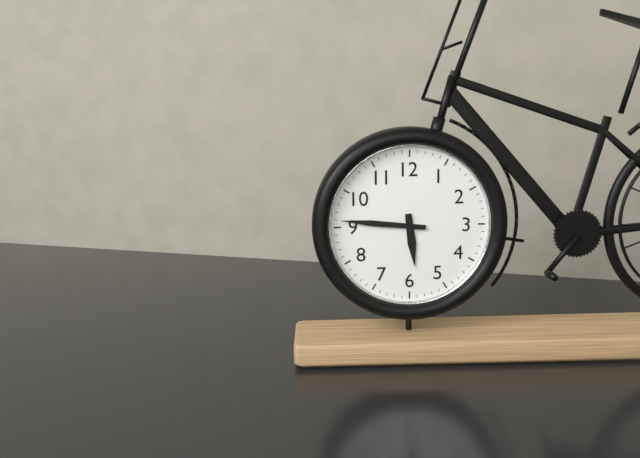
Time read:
**5:46**
